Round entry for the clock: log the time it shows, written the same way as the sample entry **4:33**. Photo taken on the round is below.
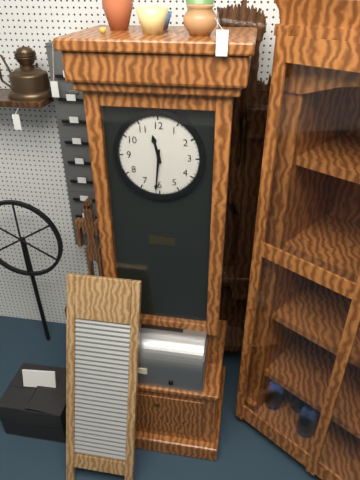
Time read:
**11:31**
